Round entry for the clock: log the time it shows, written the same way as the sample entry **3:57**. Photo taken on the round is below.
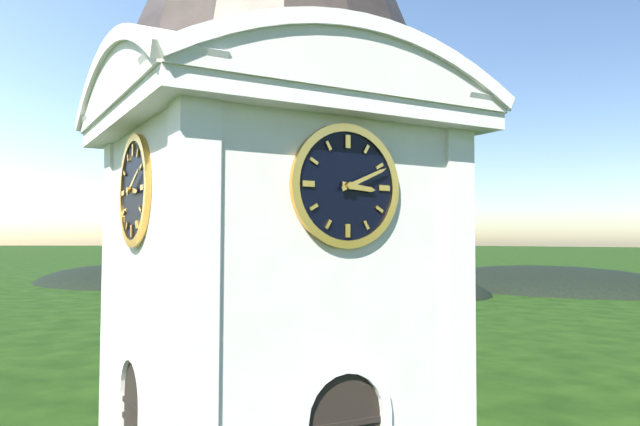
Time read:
**3:11**
